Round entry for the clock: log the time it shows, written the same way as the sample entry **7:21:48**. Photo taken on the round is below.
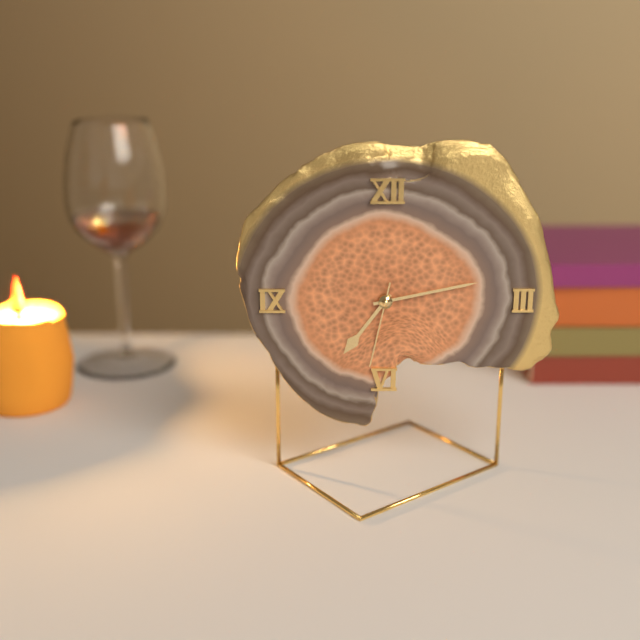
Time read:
**7:13:32**
